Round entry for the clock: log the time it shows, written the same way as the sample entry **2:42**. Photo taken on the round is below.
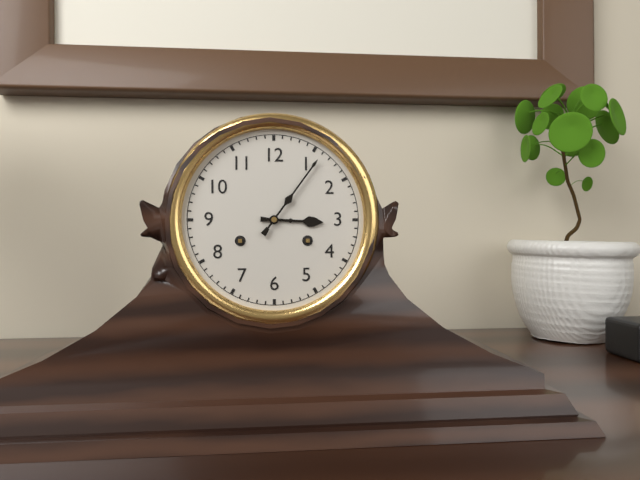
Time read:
**3:06**
